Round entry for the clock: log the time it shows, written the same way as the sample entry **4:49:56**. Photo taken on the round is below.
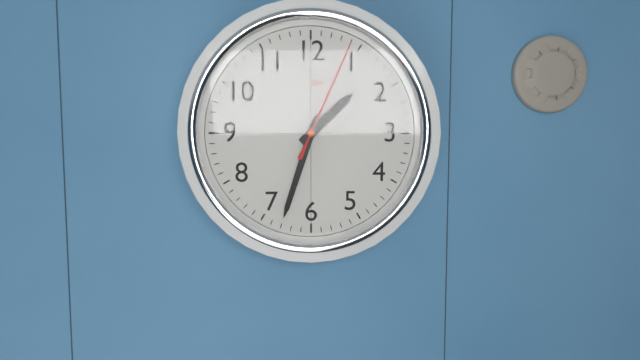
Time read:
**1:33:04**
